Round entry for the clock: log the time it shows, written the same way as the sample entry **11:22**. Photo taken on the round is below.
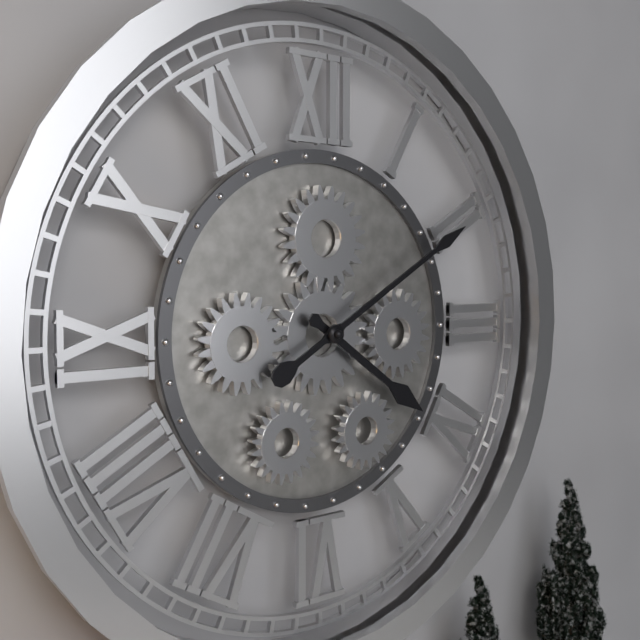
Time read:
**4:10**
